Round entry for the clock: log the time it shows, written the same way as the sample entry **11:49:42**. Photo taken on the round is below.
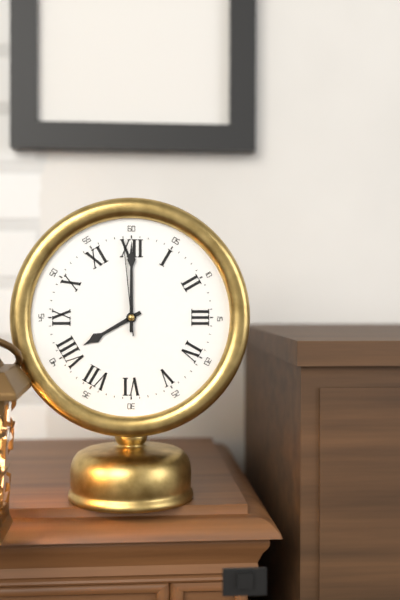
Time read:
**8:00:59**
